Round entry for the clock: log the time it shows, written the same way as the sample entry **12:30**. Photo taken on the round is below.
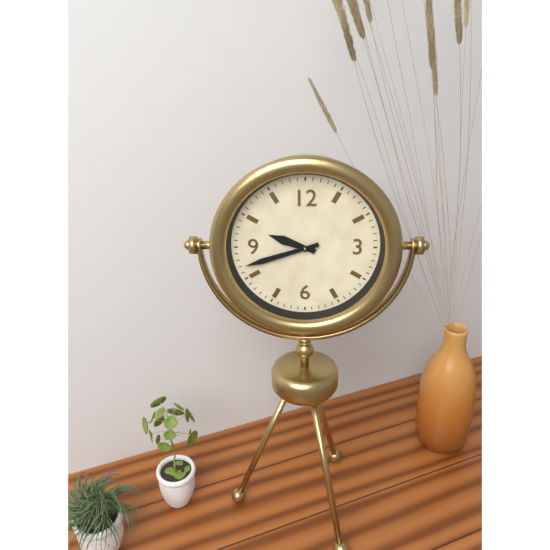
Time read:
**9:42**
